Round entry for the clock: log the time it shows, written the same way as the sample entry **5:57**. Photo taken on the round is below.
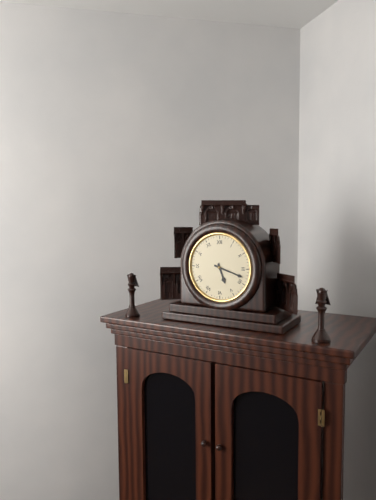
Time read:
**5:18**
